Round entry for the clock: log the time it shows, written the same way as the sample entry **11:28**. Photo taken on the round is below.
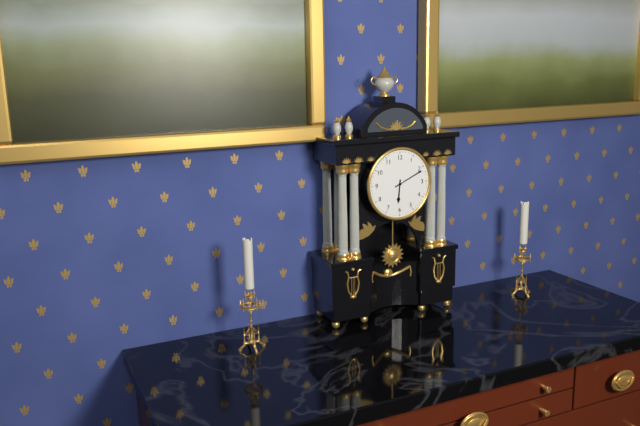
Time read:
**6:11**
